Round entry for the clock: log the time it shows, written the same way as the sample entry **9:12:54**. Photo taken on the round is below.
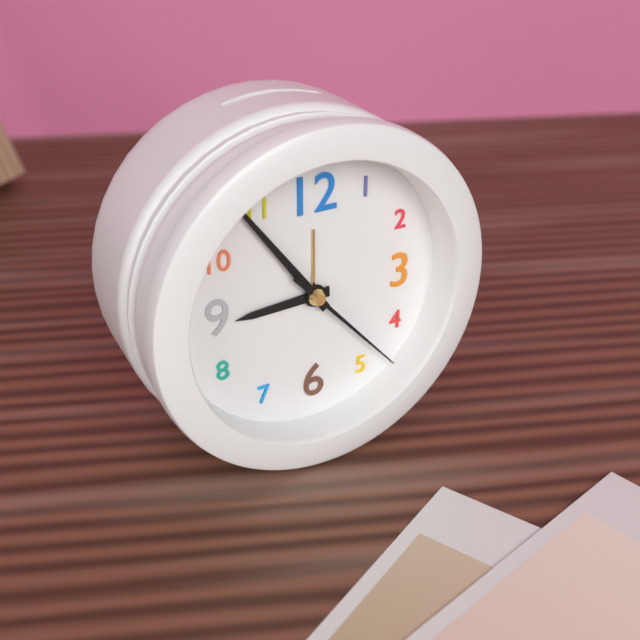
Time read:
**8:54:23**
